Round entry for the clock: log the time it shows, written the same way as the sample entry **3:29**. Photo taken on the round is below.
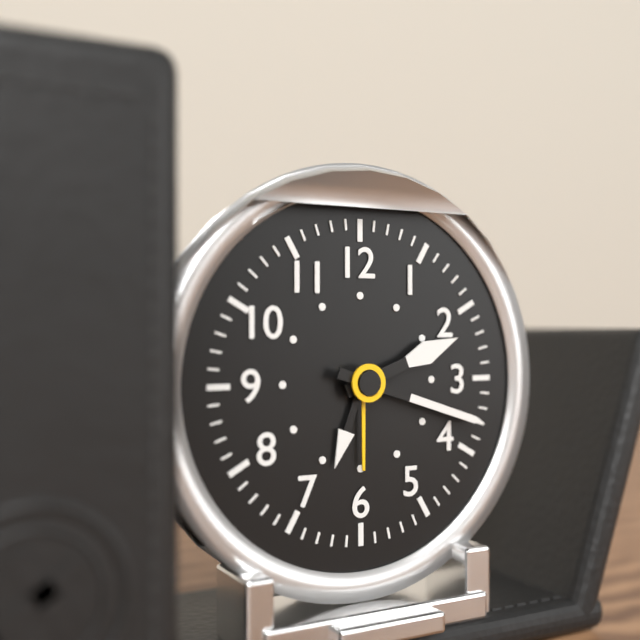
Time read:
**2:18**
